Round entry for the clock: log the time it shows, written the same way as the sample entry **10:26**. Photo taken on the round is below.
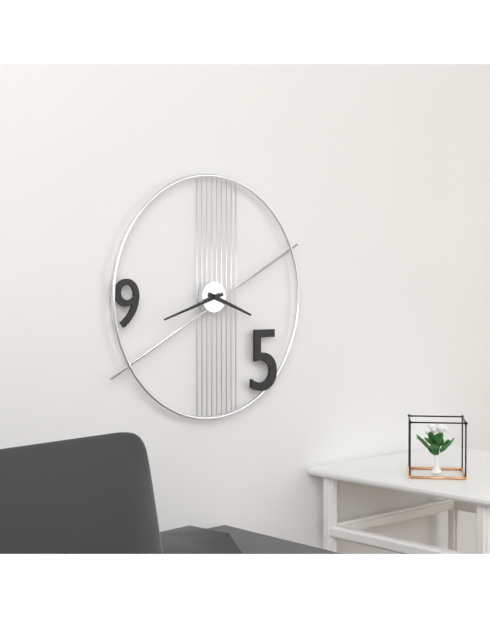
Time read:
**3:42**
